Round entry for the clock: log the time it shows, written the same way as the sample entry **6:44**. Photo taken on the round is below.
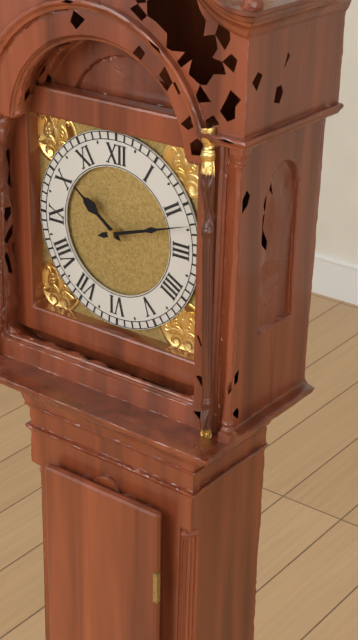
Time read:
**10:12**
